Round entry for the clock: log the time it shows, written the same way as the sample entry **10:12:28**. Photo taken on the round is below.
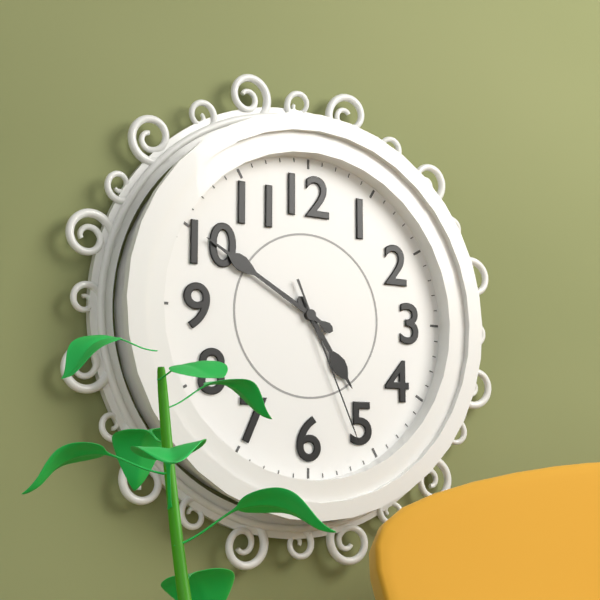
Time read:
**4:50:26**
